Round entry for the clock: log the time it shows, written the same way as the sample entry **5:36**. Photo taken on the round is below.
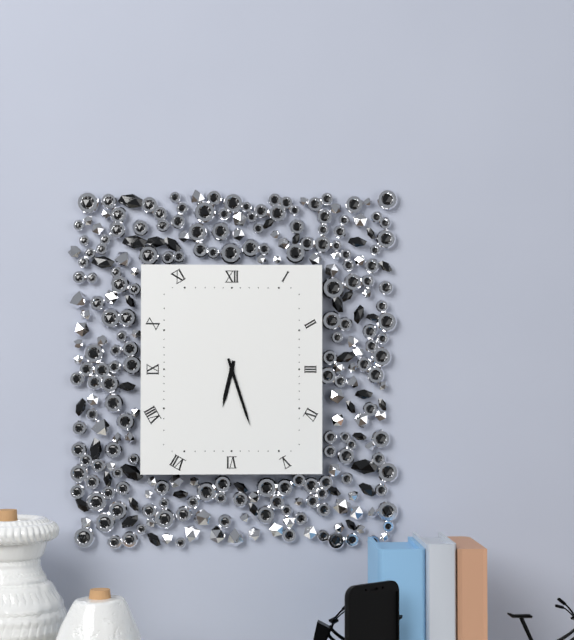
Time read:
**6:27**
